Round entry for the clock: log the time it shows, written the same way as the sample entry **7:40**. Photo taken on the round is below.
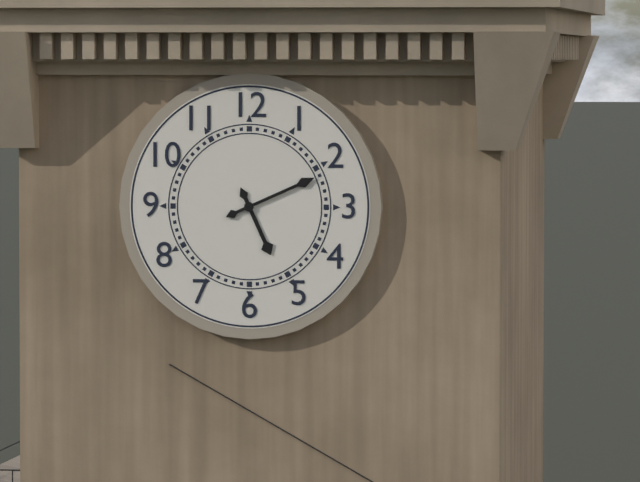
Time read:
**5:11**
